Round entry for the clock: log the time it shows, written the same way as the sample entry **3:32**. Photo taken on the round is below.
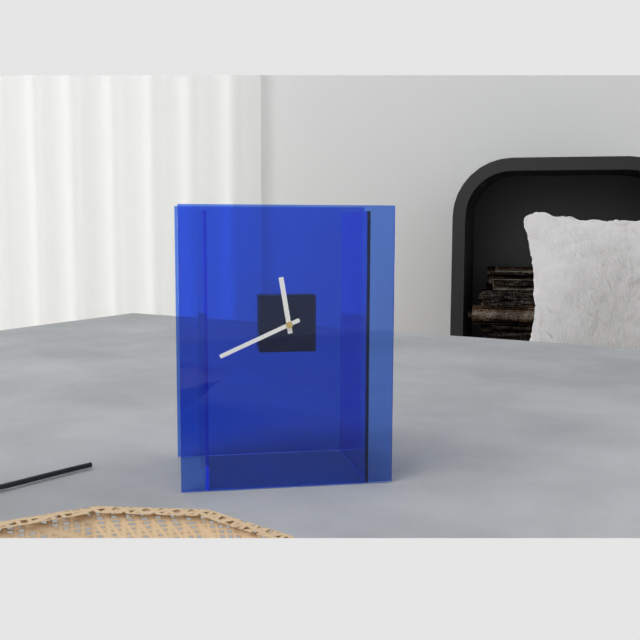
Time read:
**11:41**
